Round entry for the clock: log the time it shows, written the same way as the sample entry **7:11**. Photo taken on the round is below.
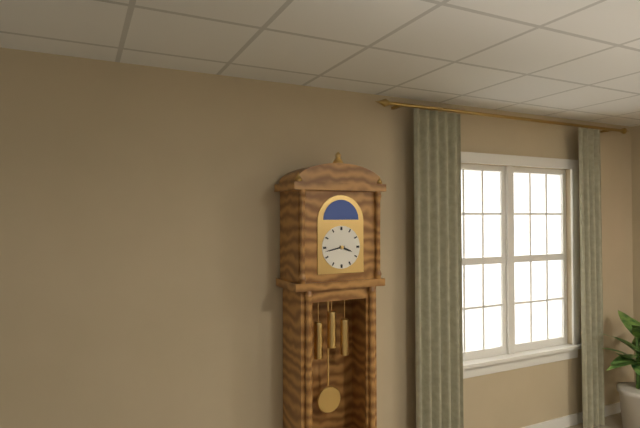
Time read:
**3:43**
